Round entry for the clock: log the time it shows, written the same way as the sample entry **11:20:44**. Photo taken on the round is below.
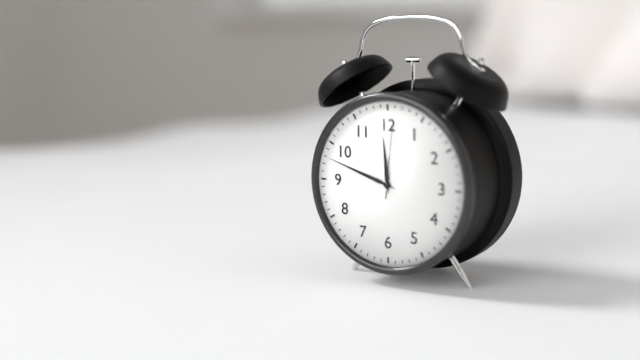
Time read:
**11:48:01**
